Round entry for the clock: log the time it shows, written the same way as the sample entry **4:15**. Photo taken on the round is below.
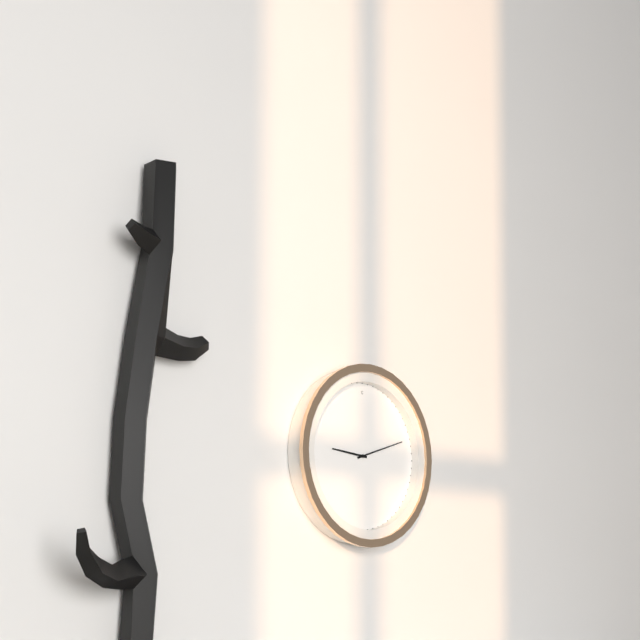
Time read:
**9:12**
